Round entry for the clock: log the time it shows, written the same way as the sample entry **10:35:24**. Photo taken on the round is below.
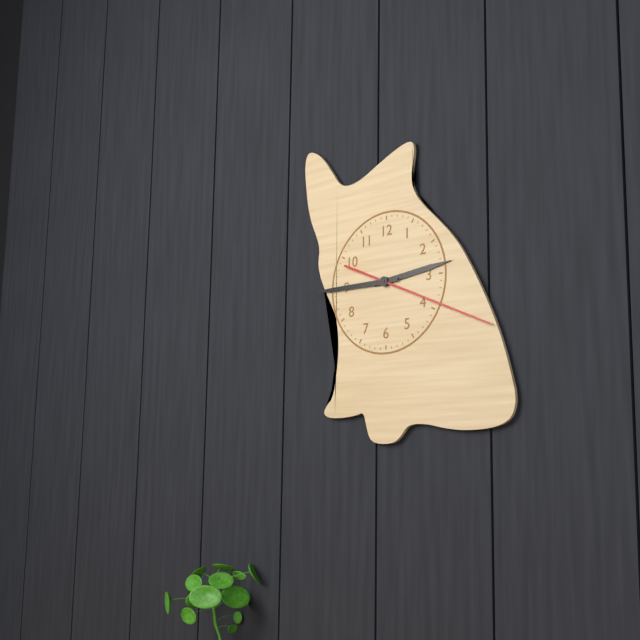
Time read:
**2:45:19**
